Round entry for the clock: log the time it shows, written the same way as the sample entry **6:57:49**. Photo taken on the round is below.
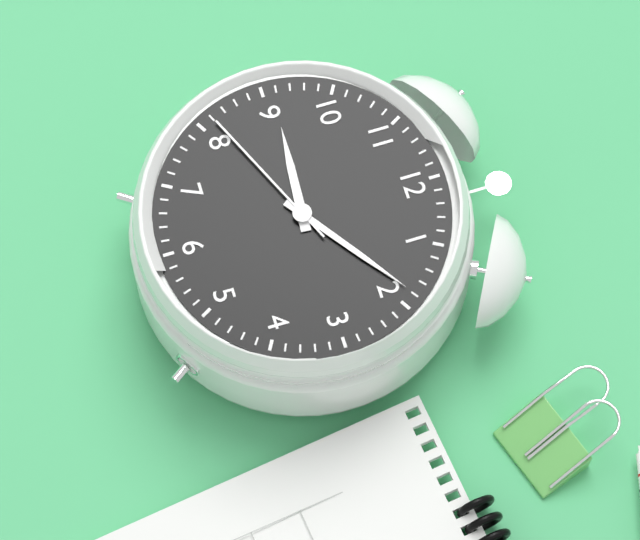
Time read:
**9:09:41**
